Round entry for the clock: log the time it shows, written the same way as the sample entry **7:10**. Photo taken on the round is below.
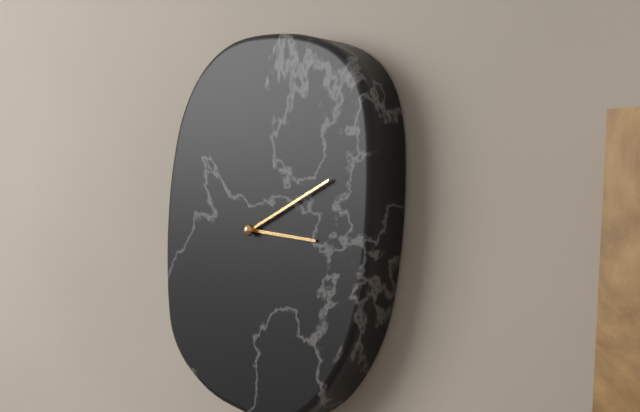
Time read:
**3:11**
